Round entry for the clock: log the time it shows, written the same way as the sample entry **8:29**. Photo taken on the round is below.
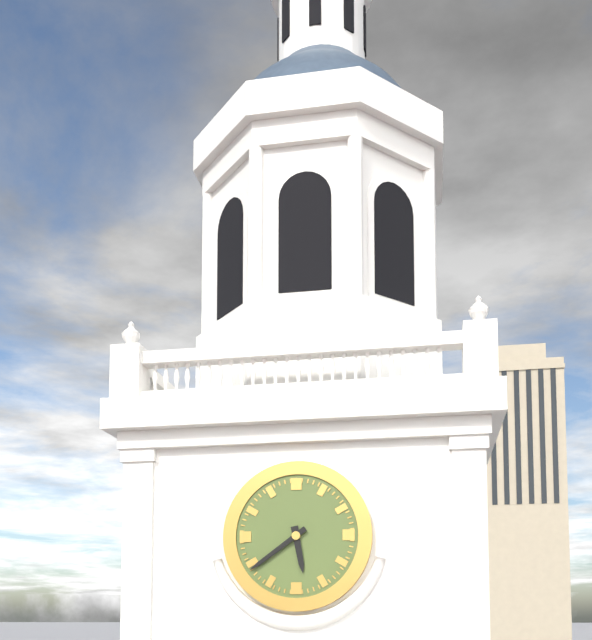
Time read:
**5:39**
